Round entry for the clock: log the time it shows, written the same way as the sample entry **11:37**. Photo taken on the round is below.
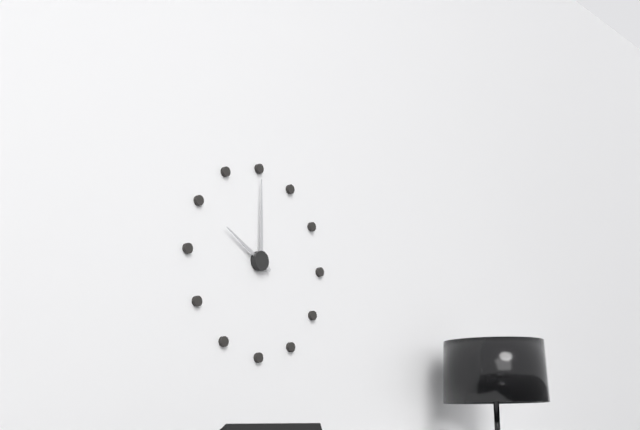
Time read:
**10:00**
